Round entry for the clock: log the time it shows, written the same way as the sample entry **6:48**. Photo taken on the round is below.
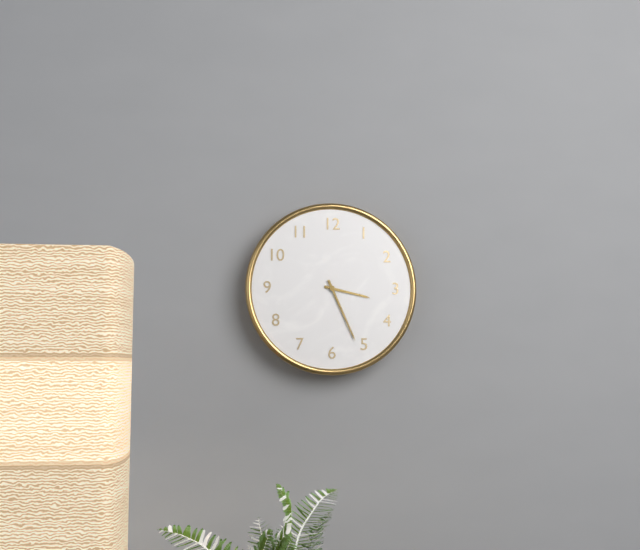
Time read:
**3:26**
